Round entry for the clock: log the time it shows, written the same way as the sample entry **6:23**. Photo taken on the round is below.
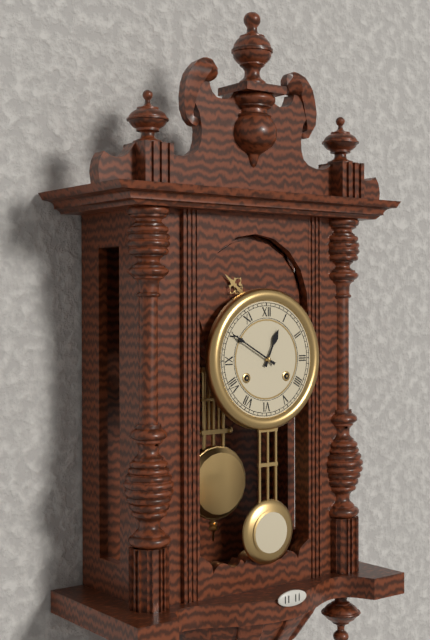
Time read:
**12:50**
